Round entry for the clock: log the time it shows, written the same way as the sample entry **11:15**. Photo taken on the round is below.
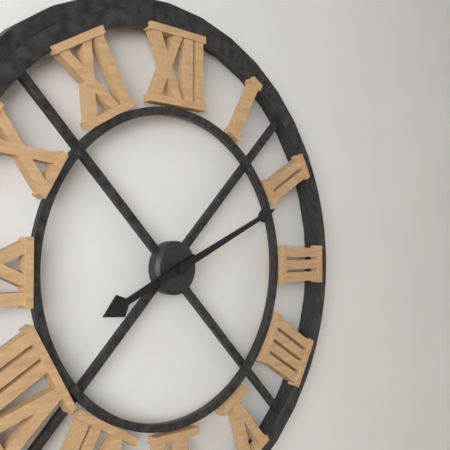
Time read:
**8:11**
